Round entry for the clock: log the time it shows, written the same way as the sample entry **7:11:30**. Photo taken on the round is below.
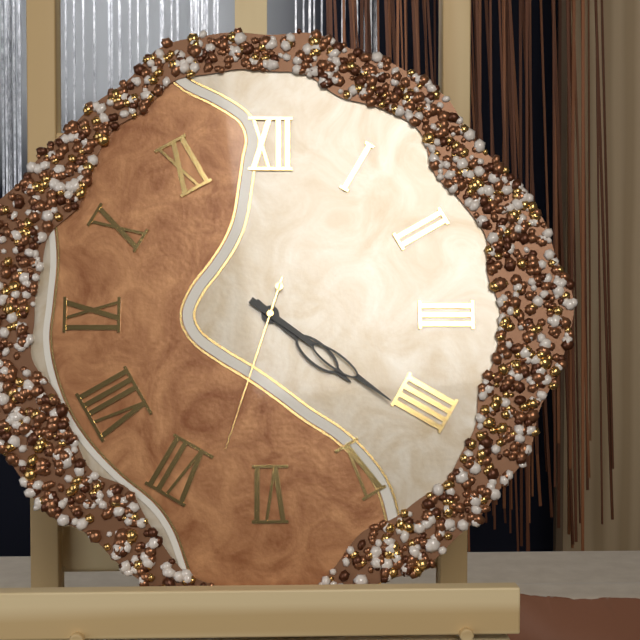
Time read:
**4:21:33**
